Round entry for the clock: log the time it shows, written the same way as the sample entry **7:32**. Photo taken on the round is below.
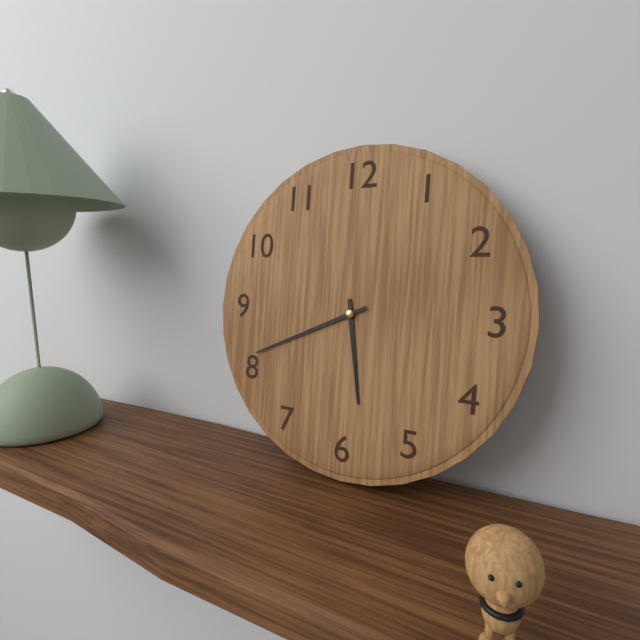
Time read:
**5:41**
